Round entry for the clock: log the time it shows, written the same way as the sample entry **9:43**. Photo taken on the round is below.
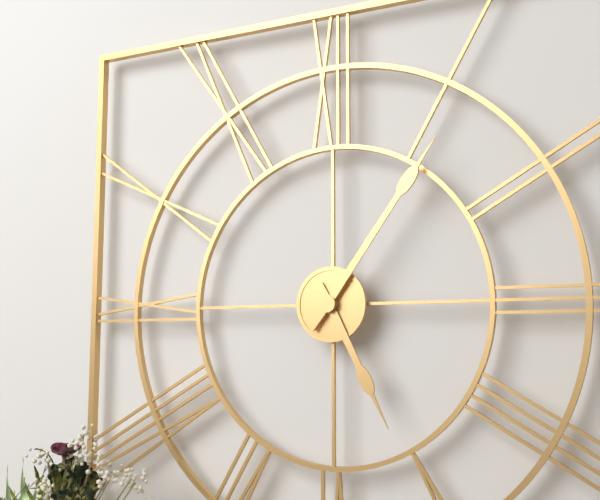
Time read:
**5:06**
